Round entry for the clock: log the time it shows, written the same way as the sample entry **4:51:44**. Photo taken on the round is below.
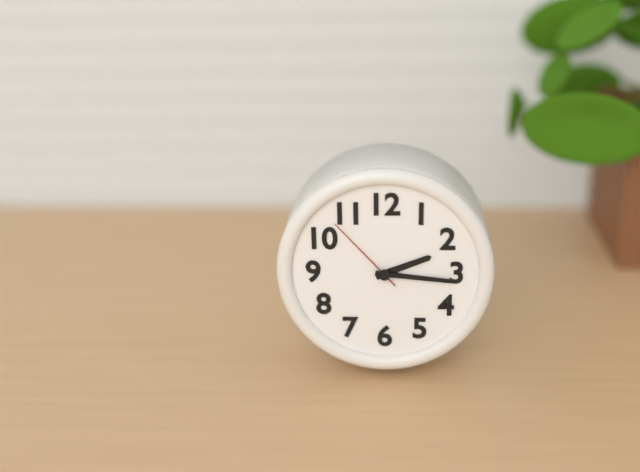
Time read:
**2:16:53**
